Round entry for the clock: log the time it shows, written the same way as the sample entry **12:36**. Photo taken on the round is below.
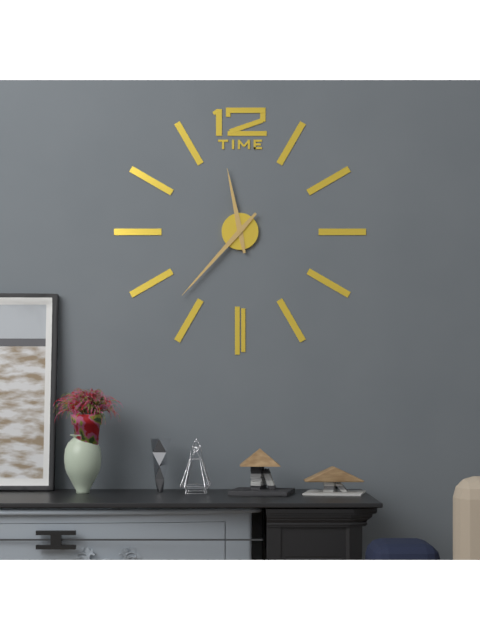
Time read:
**11:37**
